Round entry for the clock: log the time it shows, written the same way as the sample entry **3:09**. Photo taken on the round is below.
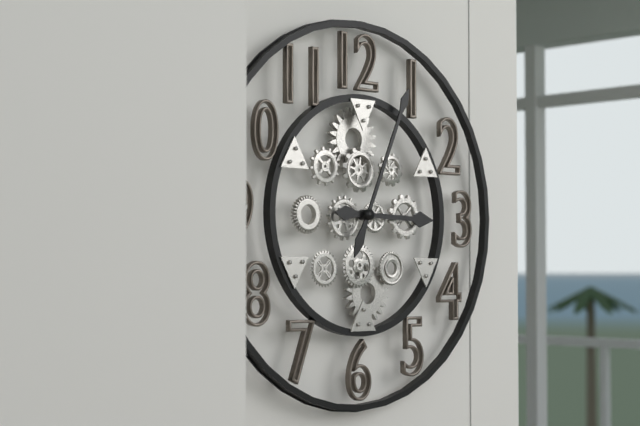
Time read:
**3:04**
